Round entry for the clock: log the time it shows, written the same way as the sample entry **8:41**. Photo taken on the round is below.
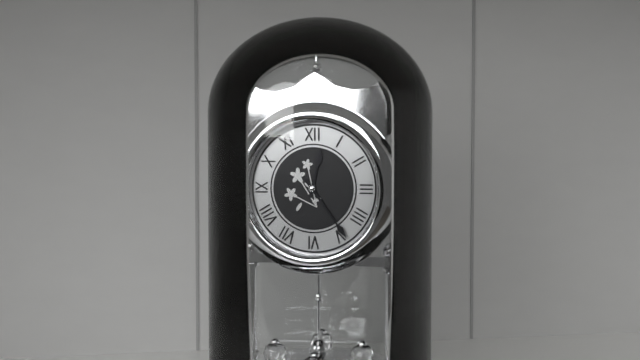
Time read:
**12:24**
